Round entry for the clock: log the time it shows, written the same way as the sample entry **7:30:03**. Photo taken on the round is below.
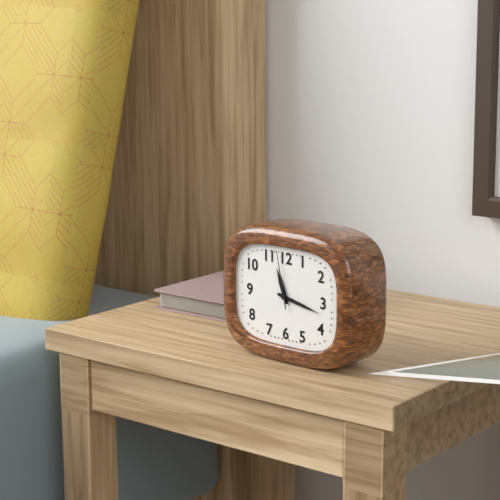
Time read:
**11:17:58**
